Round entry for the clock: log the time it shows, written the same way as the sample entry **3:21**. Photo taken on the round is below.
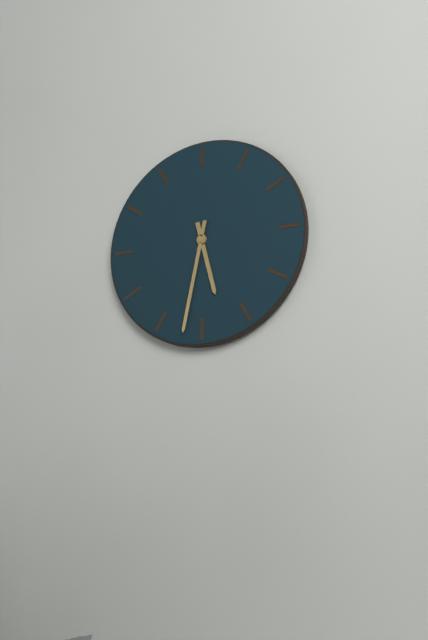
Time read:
**5:32**
